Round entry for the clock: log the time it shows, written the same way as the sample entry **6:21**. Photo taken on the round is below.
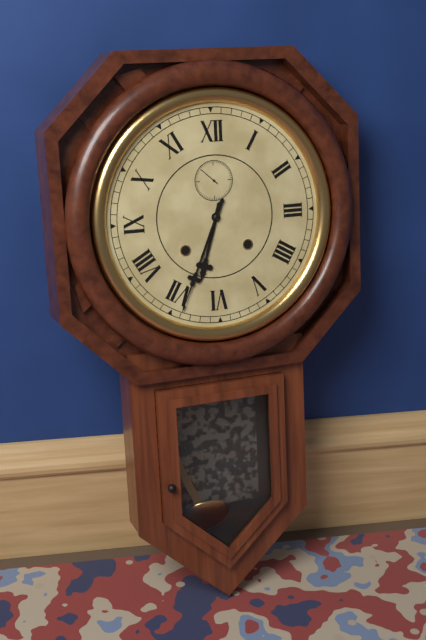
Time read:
**6:34**
